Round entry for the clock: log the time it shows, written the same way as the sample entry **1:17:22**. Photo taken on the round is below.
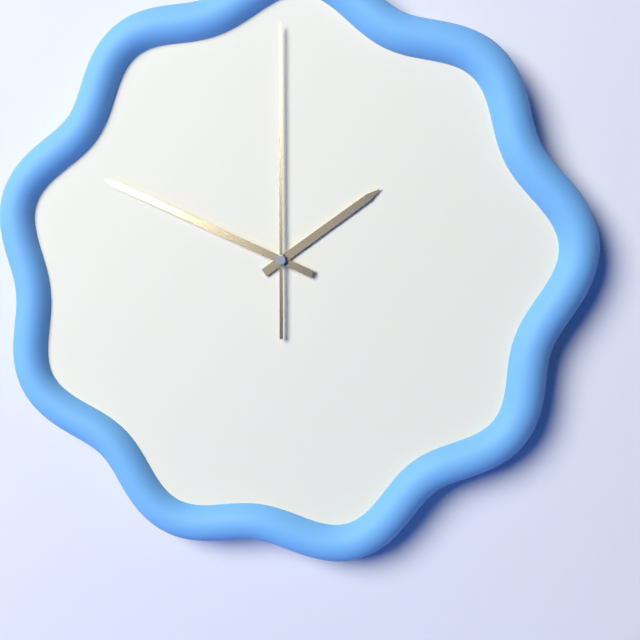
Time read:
**1:49:00**
